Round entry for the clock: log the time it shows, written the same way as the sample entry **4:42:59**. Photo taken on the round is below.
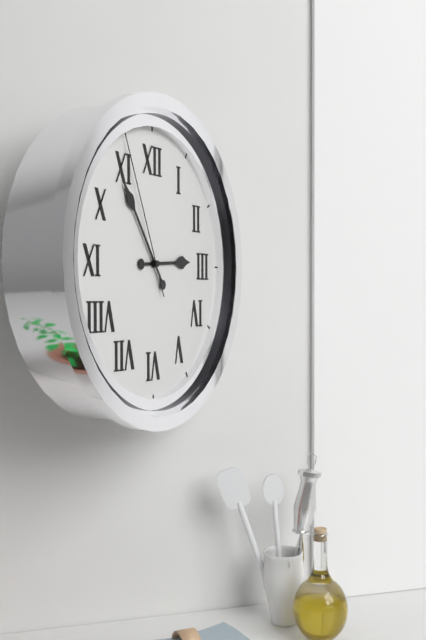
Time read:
**2:54:56**
